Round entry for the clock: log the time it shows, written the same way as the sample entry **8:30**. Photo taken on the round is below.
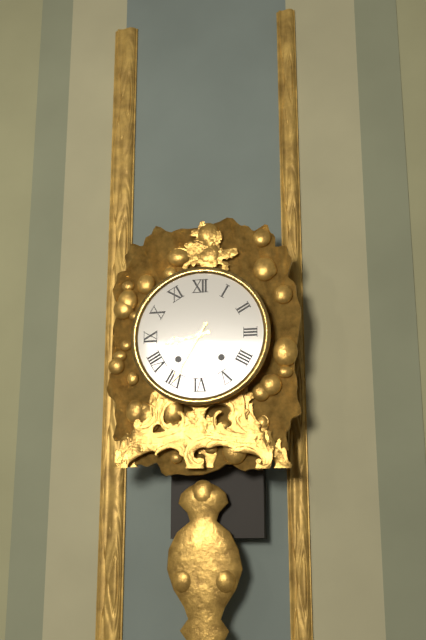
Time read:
**8:35**
